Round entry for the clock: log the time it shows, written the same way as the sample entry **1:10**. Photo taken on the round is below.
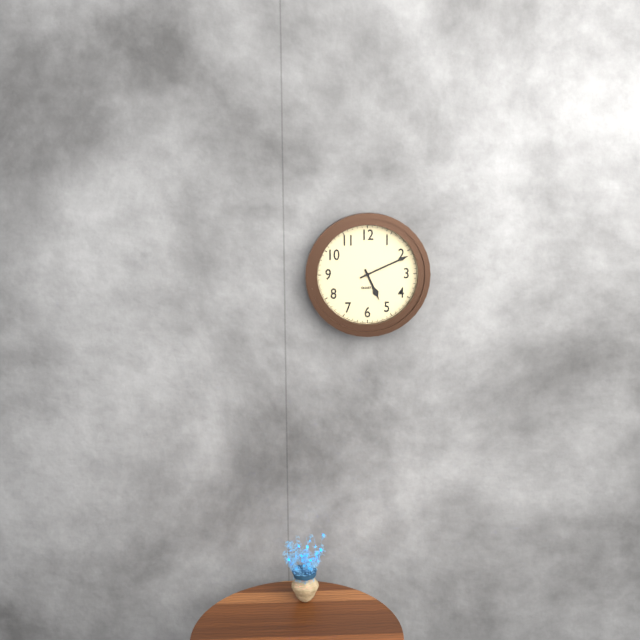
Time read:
**5:11**
